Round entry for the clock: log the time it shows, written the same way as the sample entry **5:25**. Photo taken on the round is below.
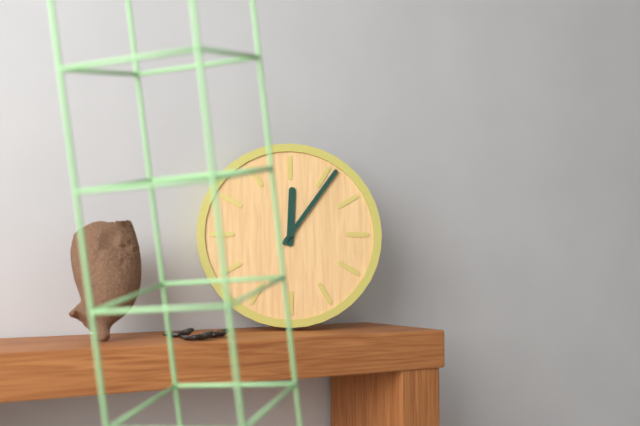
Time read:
**12:06**
